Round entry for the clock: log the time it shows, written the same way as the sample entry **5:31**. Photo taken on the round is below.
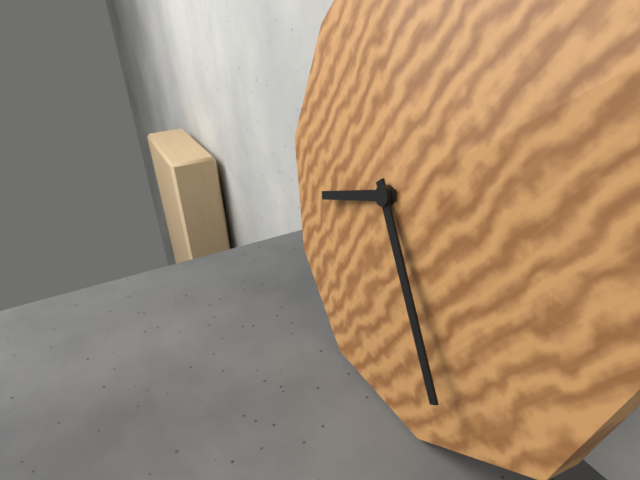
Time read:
**8:24**
